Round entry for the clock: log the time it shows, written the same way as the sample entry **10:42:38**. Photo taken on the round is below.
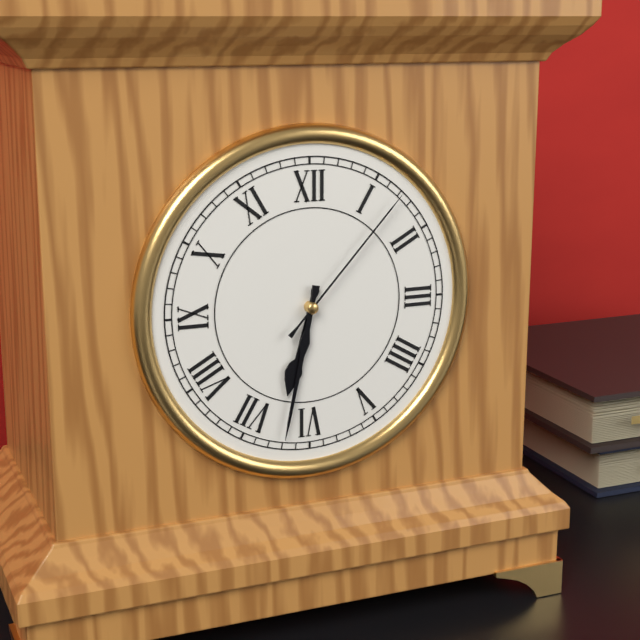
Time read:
**6:32:07**
